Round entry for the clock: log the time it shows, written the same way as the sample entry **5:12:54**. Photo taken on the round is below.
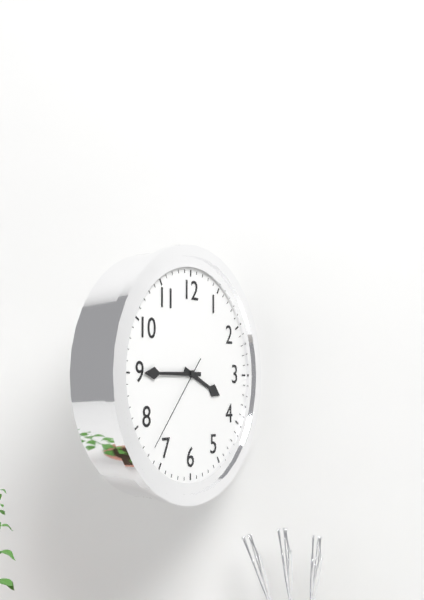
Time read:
**3:45:37**
